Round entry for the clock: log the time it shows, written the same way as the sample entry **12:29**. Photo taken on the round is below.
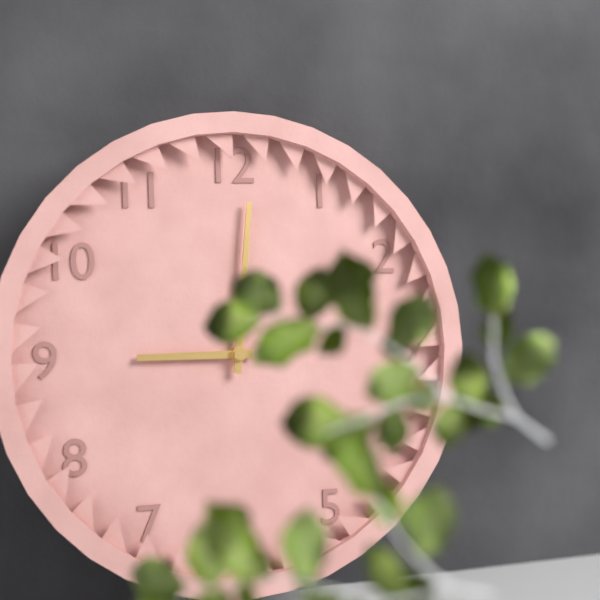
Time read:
**9:01**
